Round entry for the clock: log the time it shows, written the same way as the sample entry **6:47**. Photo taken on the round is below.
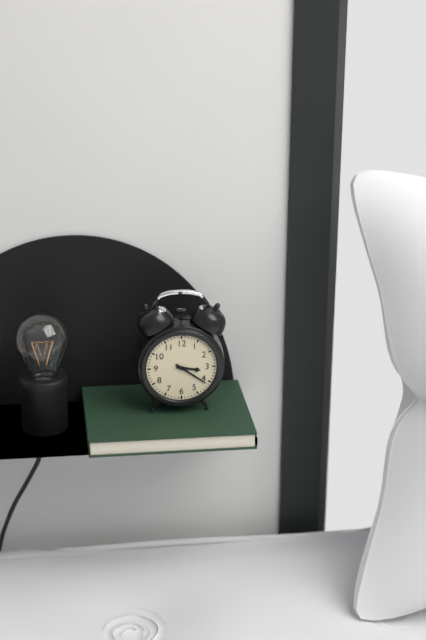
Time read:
**3:21**
